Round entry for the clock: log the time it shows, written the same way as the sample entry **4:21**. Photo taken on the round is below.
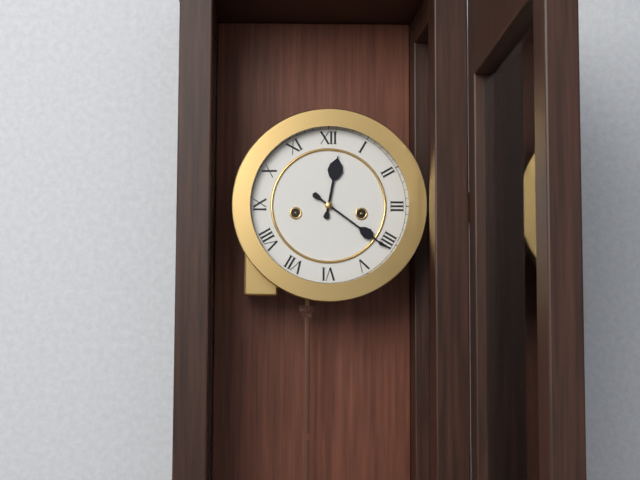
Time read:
**12:21**
